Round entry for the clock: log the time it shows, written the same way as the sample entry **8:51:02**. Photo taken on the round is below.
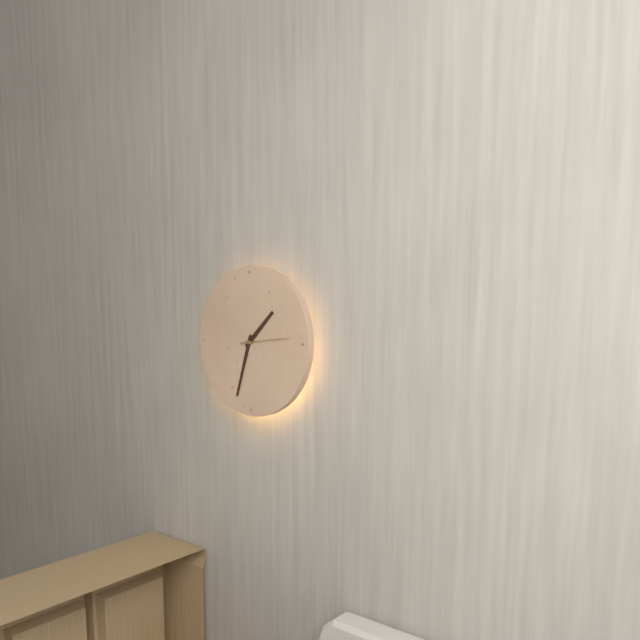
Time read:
**1:33:14**
